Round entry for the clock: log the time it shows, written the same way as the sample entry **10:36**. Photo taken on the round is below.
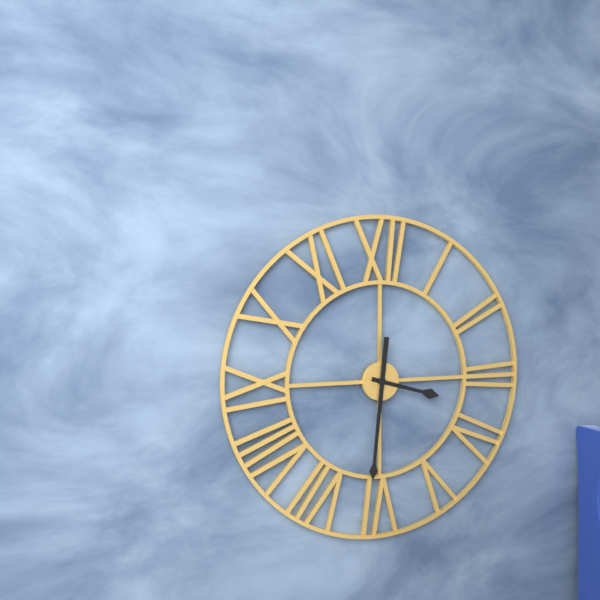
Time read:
**3:31**
